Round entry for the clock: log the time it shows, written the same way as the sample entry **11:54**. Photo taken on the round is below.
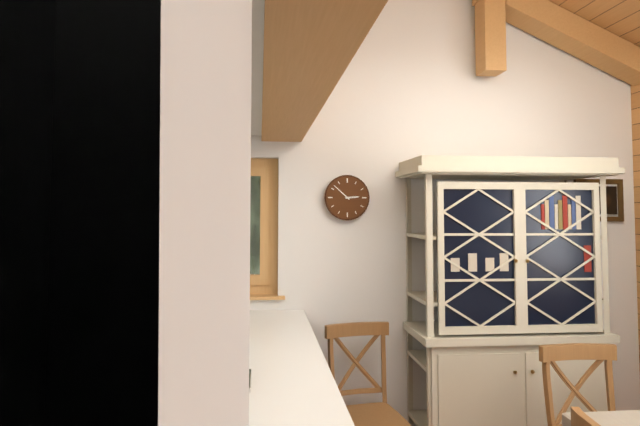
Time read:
**2:52**
